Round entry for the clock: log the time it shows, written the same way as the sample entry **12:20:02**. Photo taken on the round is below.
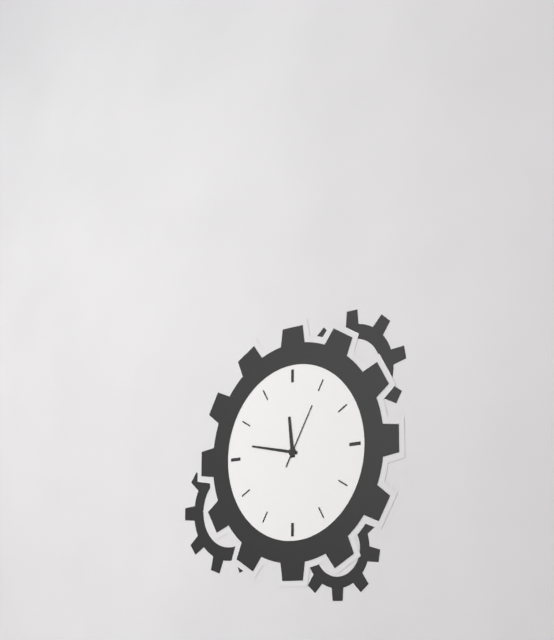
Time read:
**11:47:05**
